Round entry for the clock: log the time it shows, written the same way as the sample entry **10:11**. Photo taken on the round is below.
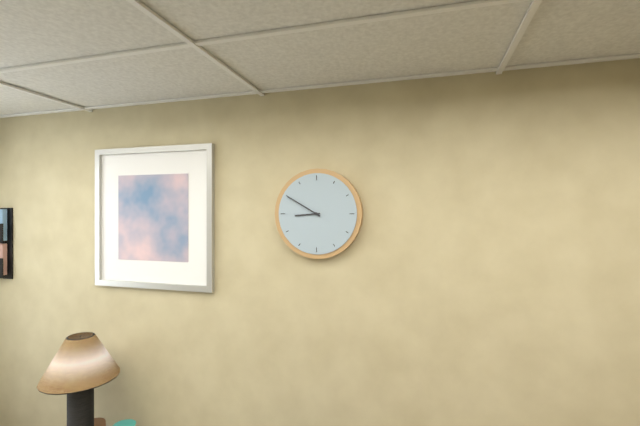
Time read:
**8:50**
